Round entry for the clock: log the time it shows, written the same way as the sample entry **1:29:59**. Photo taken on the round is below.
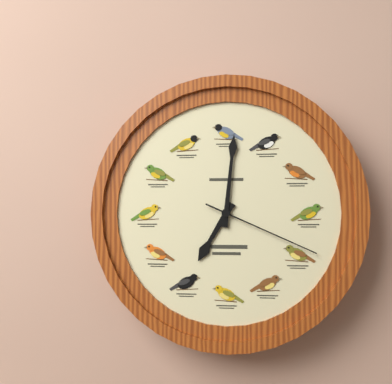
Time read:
**7:01:19**
